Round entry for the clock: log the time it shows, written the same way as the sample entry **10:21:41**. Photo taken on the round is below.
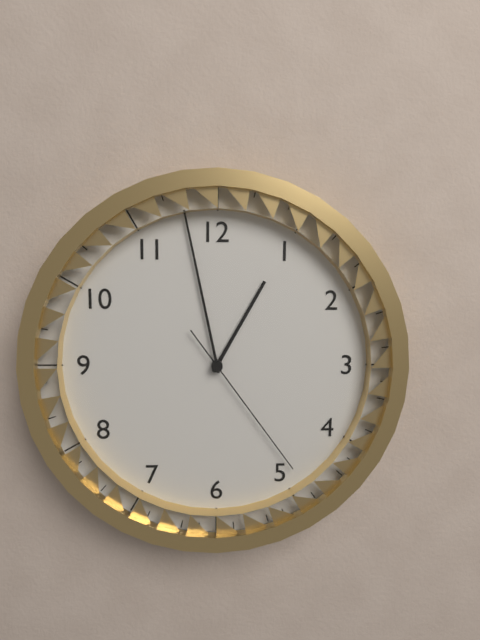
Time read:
**12:58:24**
